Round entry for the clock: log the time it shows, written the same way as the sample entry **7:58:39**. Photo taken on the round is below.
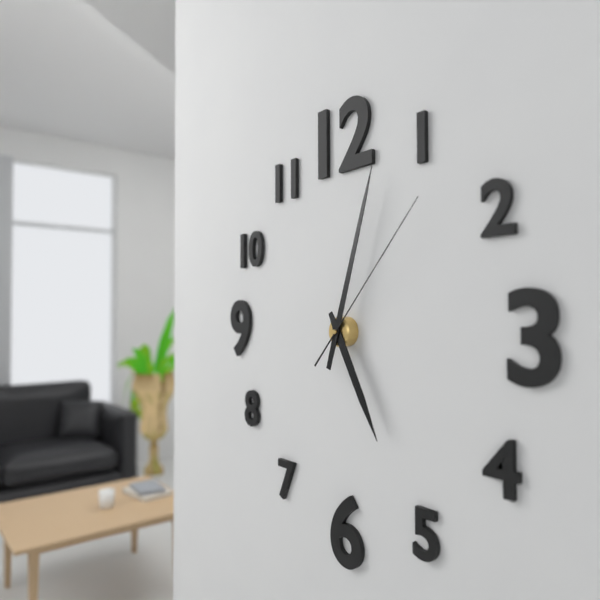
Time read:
**5:03:07**
